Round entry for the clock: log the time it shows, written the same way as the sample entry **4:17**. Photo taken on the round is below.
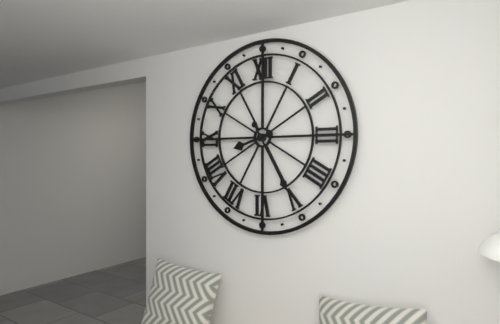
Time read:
**8:25**
